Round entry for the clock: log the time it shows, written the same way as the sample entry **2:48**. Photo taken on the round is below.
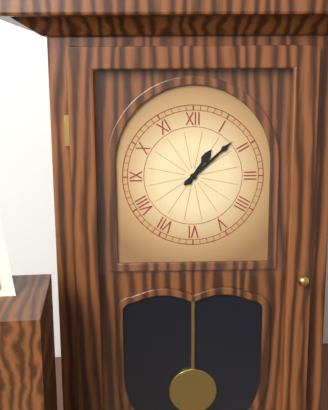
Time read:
**1:08**
